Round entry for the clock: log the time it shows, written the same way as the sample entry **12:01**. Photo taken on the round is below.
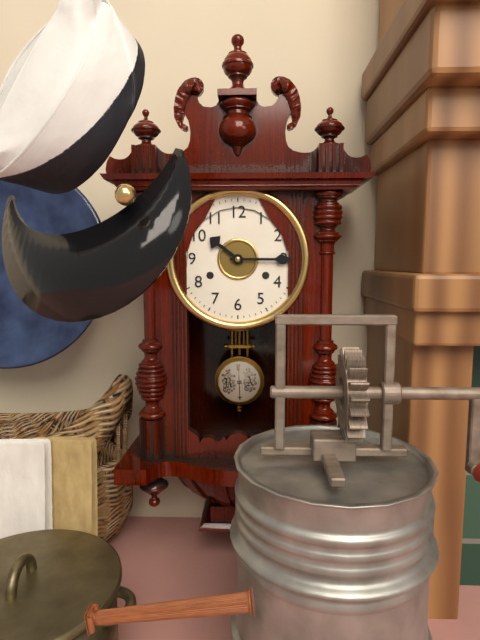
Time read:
**10:15**
